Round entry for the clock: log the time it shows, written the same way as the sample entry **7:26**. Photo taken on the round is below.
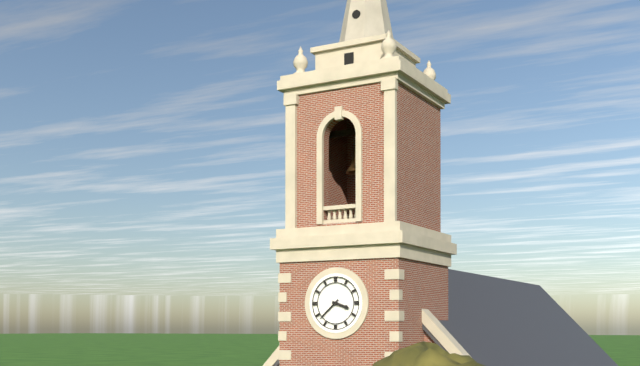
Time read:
**3:38**
